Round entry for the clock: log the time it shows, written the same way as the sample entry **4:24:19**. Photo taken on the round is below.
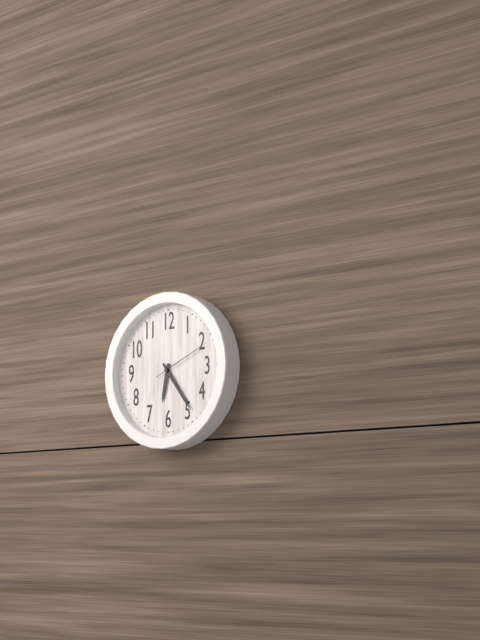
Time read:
**6:24:11**
